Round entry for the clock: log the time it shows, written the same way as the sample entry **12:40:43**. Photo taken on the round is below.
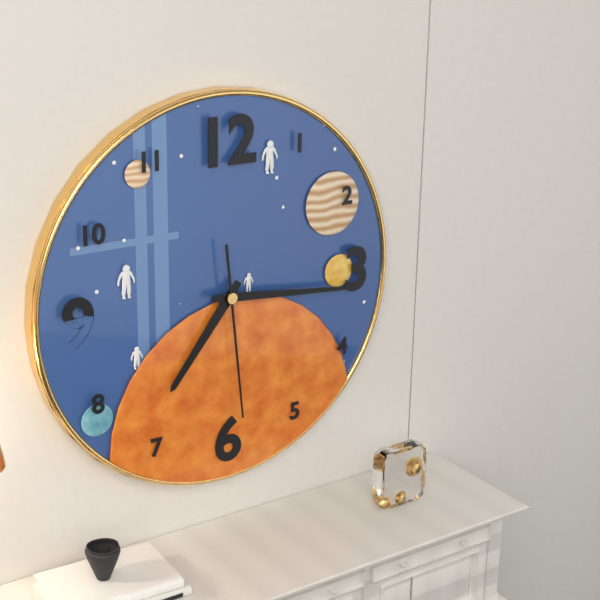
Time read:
**7:16:29**
